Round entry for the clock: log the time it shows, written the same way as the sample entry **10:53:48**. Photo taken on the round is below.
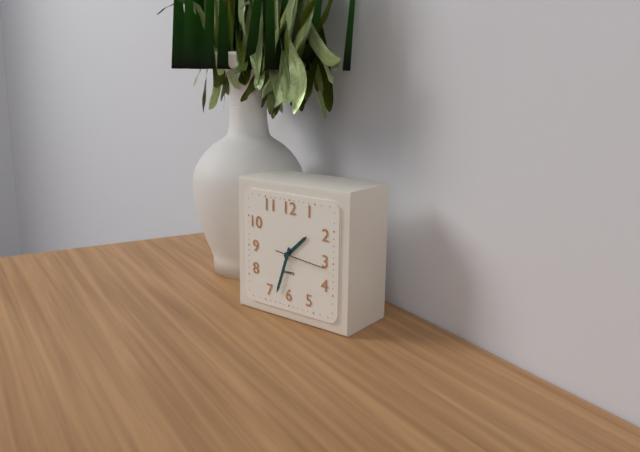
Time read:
**1:33:16**
